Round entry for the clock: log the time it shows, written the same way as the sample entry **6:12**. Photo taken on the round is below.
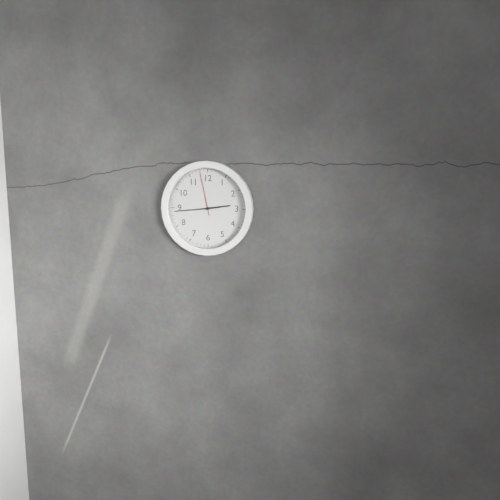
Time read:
**2:44**
